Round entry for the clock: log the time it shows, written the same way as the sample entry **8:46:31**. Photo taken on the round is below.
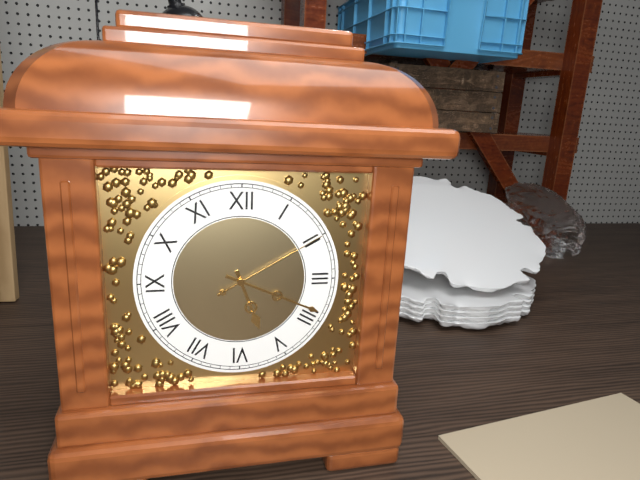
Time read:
**5:19:10**
